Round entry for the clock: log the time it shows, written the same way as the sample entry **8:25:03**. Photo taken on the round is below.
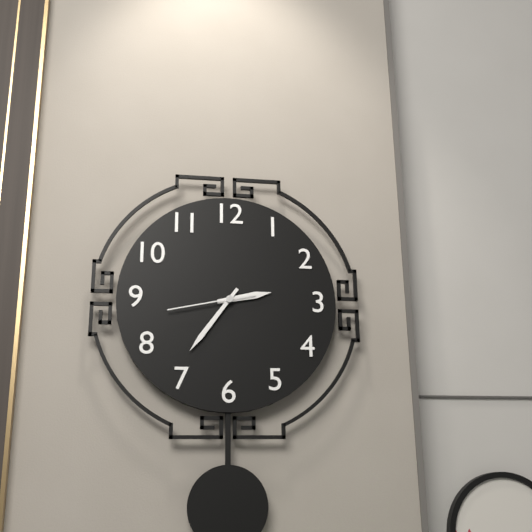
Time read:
**2:36:43**
